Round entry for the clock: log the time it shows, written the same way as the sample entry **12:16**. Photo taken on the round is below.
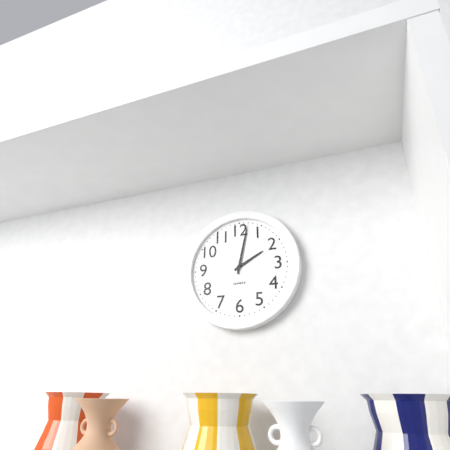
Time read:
**2:02**
